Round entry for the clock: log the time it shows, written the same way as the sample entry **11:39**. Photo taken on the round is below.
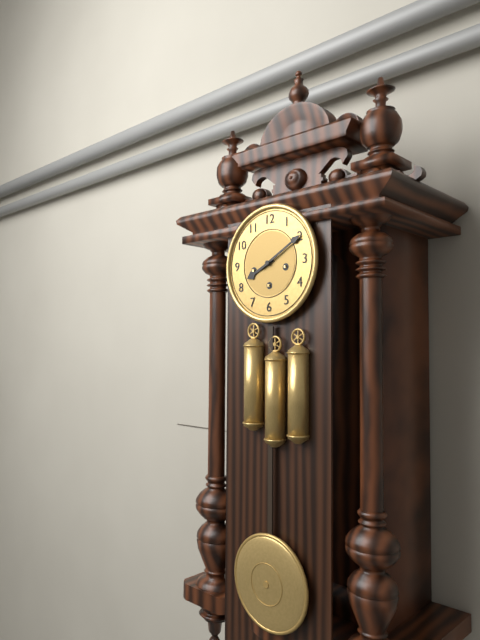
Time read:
**8:10**
